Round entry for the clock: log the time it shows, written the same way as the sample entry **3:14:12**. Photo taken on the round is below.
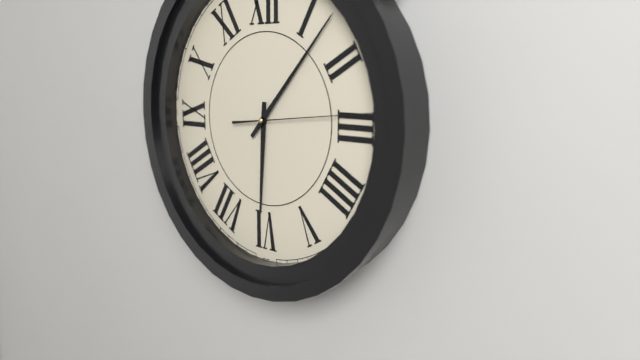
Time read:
**6:07:14**
